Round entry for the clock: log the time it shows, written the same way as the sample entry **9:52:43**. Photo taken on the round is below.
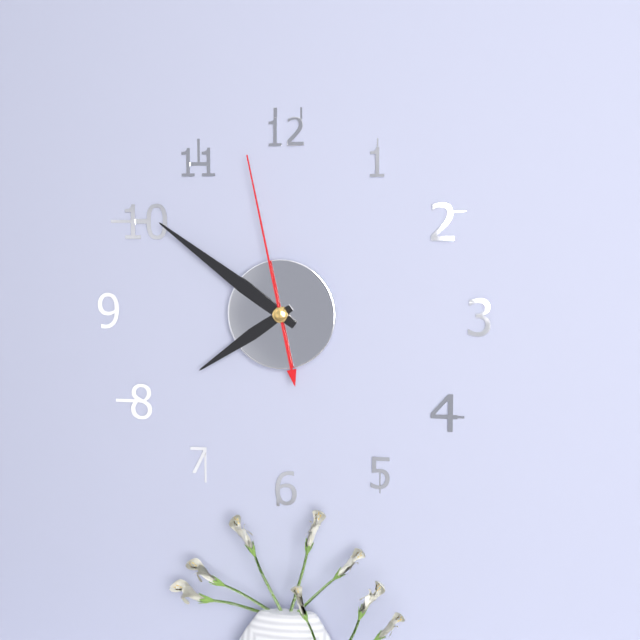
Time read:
**7:51:58**
